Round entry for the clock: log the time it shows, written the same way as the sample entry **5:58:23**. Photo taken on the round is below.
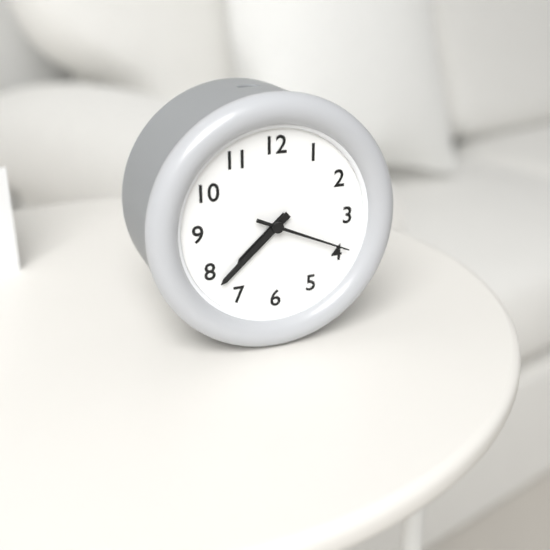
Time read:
**7:38:19**
